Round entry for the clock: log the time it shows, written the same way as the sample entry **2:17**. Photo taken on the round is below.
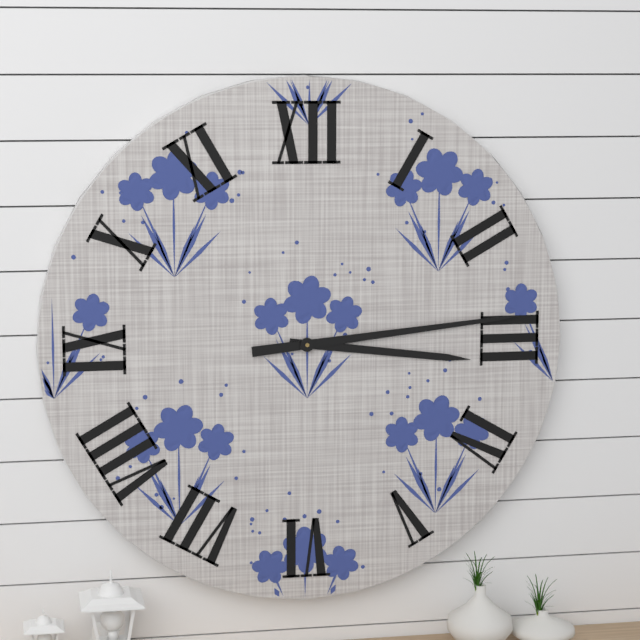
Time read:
**3:14**
